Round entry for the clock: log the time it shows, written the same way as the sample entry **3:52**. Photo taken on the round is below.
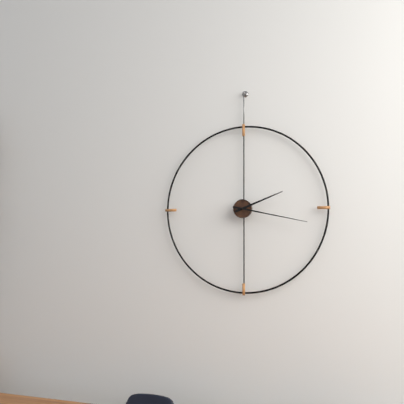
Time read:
**2:17**
